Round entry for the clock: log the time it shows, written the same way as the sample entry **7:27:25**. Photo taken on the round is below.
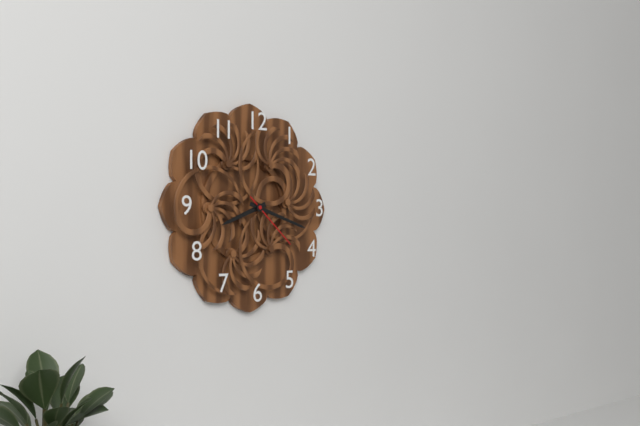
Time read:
**8:18:22**
